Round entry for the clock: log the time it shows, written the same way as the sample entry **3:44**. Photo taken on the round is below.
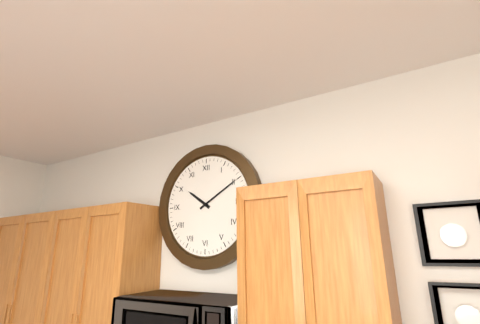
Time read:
**10:10**
